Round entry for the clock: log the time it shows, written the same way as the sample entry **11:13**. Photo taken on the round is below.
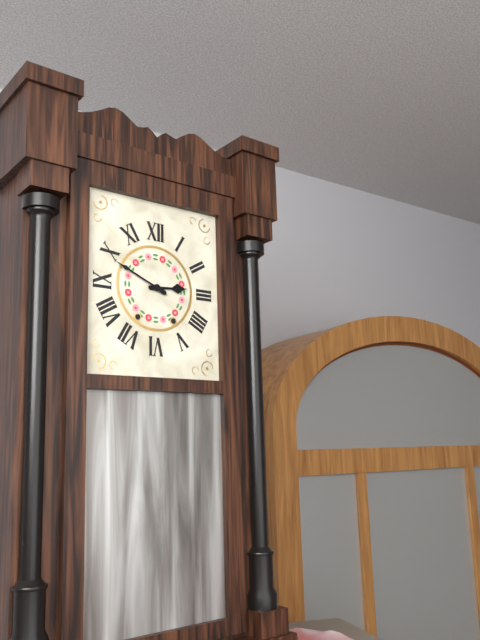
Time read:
**2:49**
